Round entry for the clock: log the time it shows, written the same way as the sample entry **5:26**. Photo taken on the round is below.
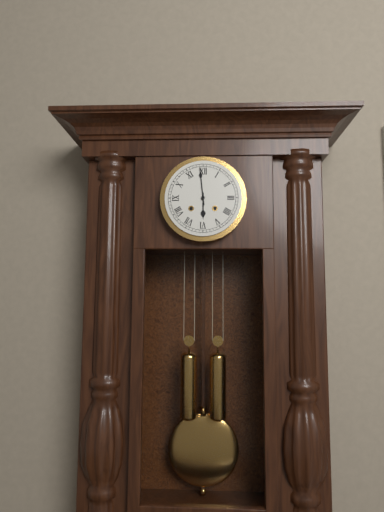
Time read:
**5:59**
